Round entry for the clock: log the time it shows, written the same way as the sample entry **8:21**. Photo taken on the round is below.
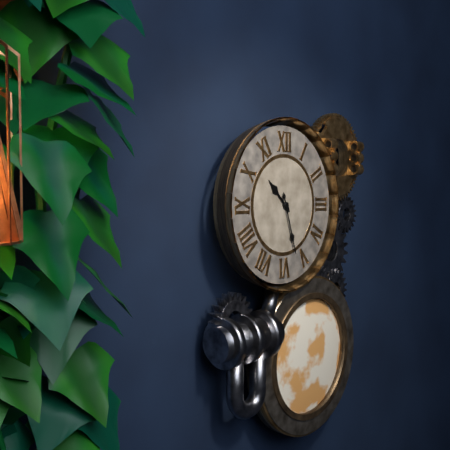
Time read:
**10:27**
